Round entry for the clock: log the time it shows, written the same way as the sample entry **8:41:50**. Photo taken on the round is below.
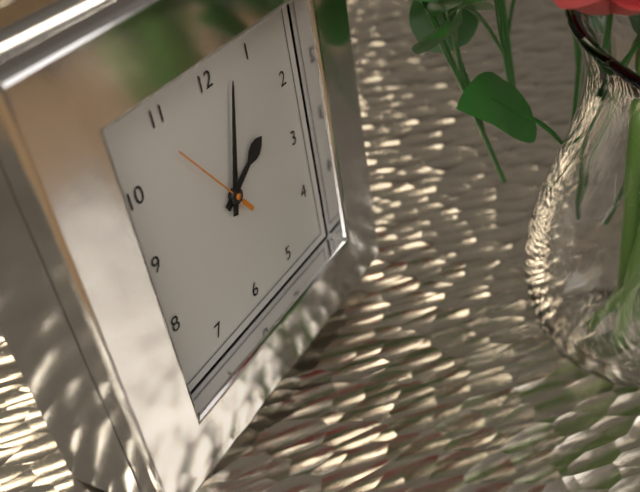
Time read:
**2:03:54**
